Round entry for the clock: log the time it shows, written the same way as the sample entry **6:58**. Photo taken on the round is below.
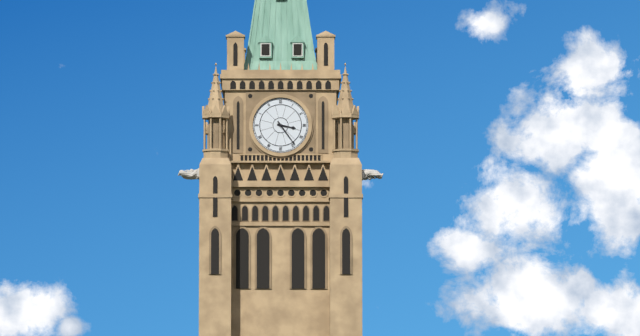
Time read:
**3:24**
